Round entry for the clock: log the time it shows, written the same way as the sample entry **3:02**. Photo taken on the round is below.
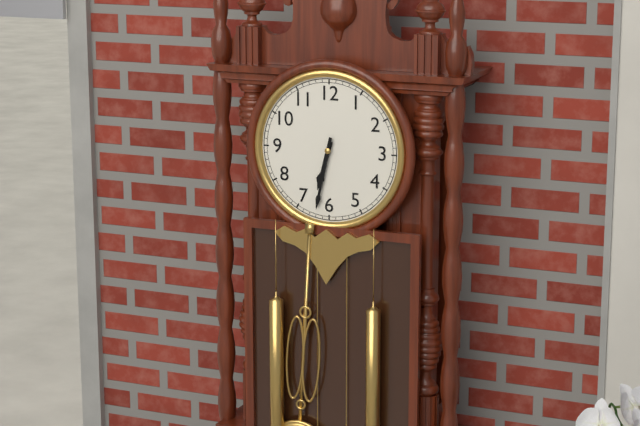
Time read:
**6:32**
